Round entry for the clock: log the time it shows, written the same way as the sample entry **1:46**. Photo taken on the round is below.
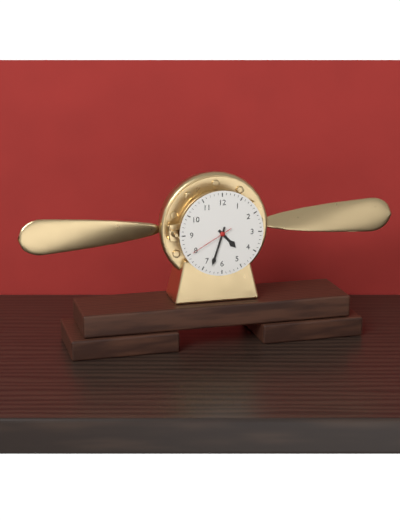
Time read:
**4:33**
